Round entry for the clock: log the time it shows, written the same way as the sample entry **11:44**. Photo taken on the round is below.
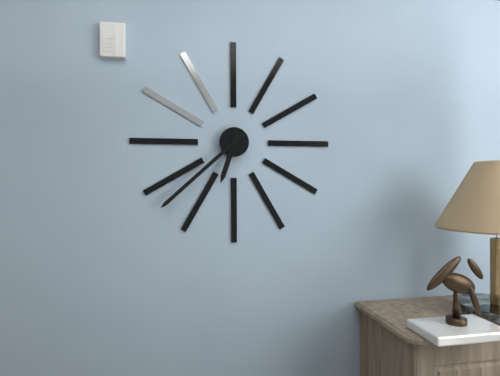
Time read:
**6:38**
